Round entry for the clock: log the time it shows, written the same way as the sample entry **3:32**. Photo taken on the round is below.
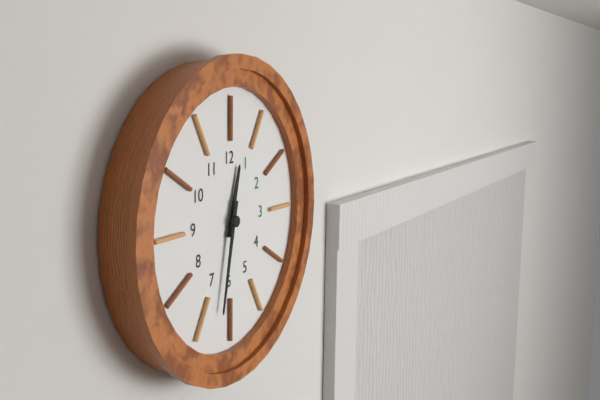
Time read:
**12:32**
